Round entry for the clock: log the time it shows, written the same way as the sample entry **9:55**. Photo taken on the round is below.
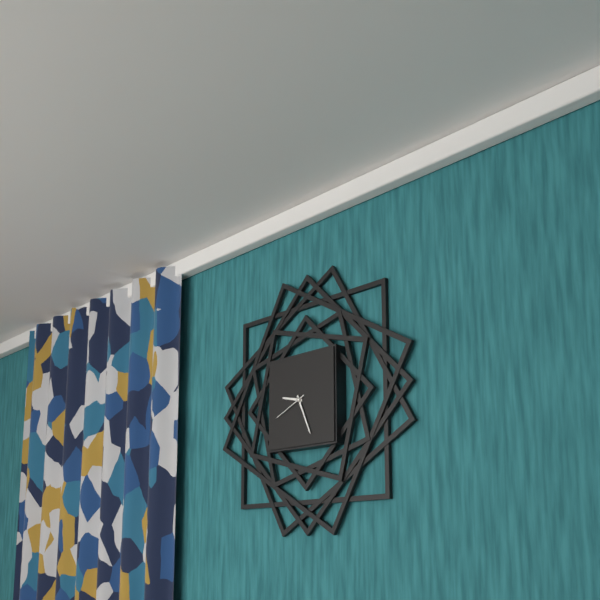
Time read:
**9:26**
